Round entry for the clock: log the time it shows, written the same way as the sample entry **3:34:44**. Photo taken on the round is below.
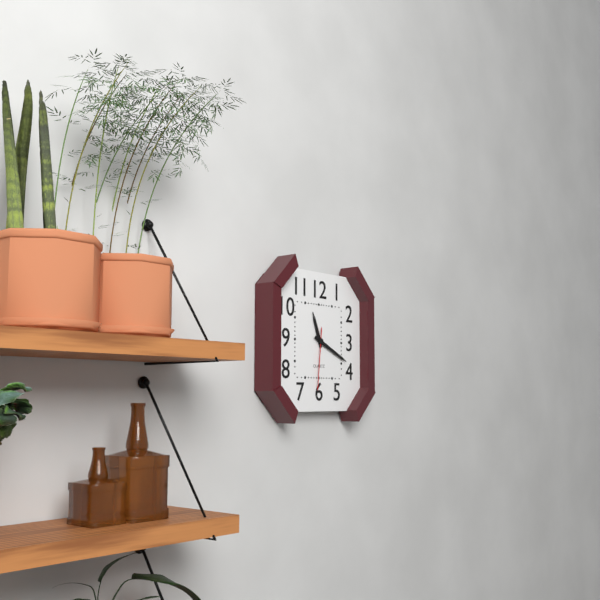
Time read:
**11:19:31**
